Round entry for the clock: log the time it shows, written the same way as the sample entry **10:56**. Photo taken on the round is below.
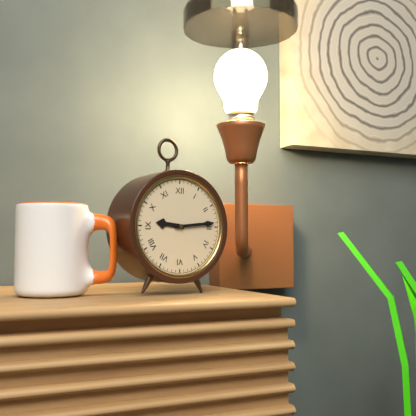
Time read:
**9:14**
